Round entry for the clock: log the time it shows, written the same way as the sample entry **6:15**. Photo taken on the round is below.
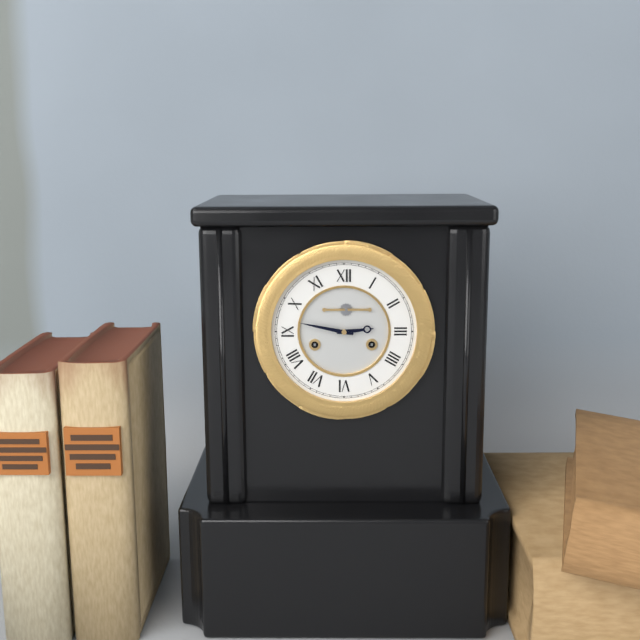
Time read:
**2:47**
